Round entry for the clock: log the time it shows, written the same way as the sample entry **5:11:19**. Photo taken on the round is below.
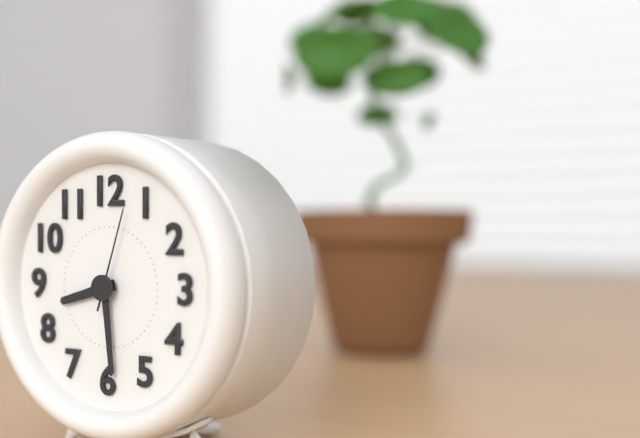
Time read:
**8:29:03**
